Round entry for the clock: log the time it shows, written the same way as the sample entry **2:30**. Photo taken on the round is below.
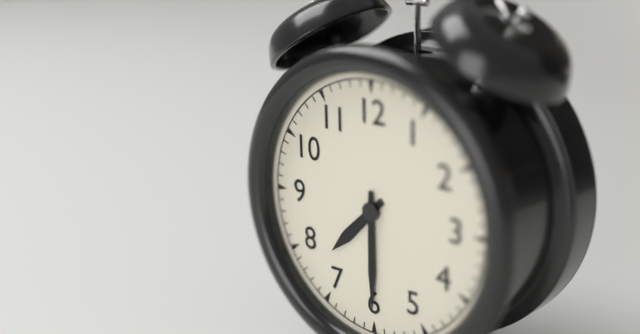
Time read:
**7:30**
